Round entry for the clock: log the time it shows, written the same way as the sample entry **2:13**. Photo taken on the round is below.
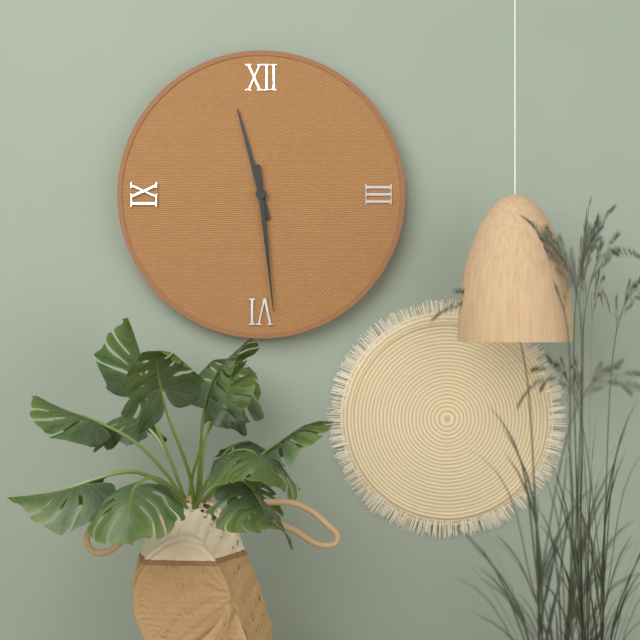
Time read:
**11:29**
